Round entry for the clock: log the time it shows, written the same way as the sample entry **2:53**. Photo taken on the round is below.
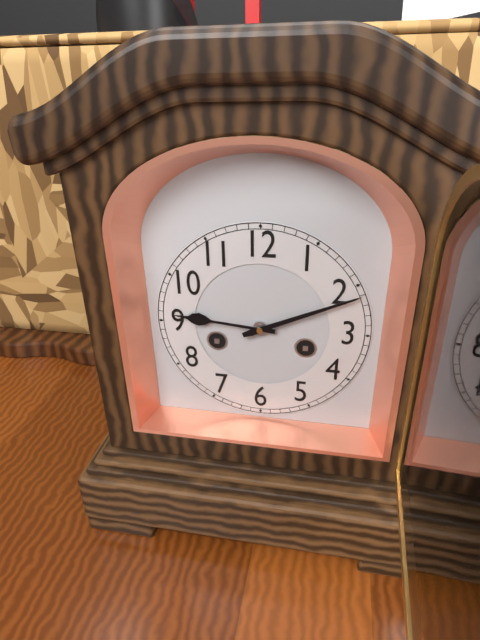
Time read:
**9:11**
